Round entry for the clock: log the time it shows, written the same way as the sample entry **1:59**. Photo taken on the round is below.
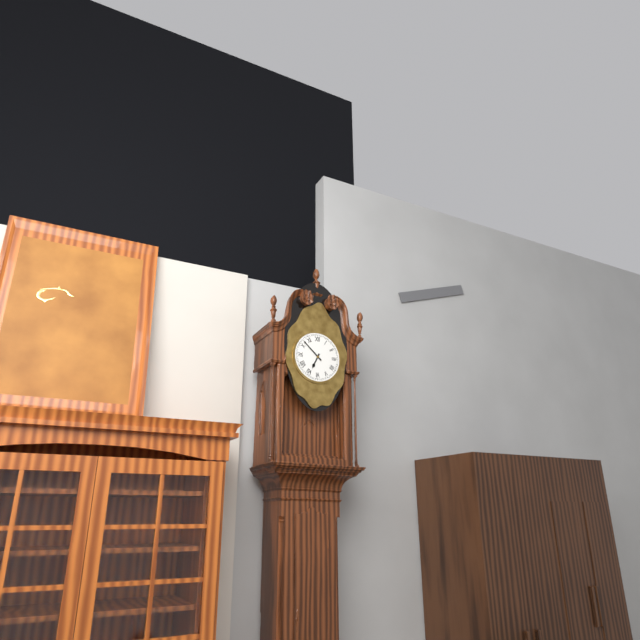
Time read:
**6:52**
